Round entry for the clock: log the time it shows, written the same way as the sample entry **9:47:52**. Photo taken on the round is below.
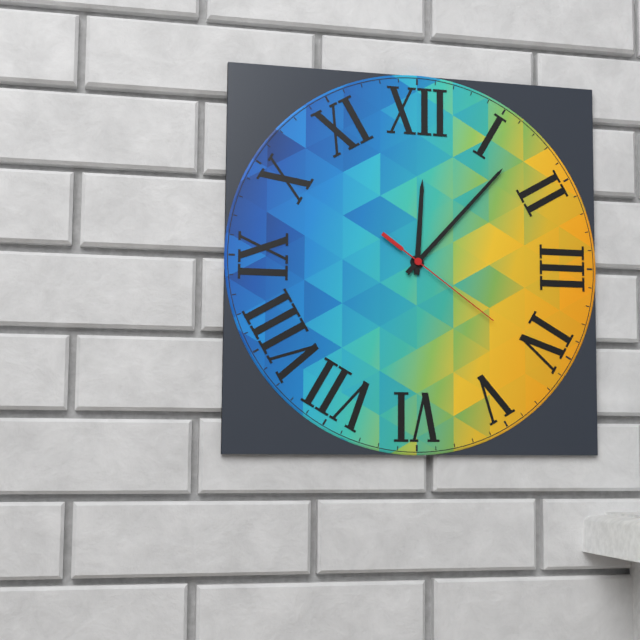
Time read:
**12:07:21**
